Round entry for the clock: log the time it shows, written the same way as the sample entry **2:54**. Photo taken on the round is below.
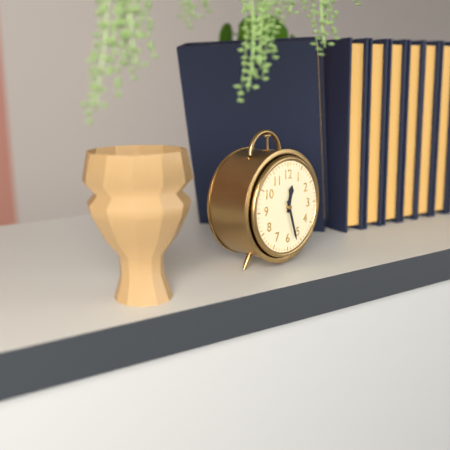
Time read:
**12:27**
